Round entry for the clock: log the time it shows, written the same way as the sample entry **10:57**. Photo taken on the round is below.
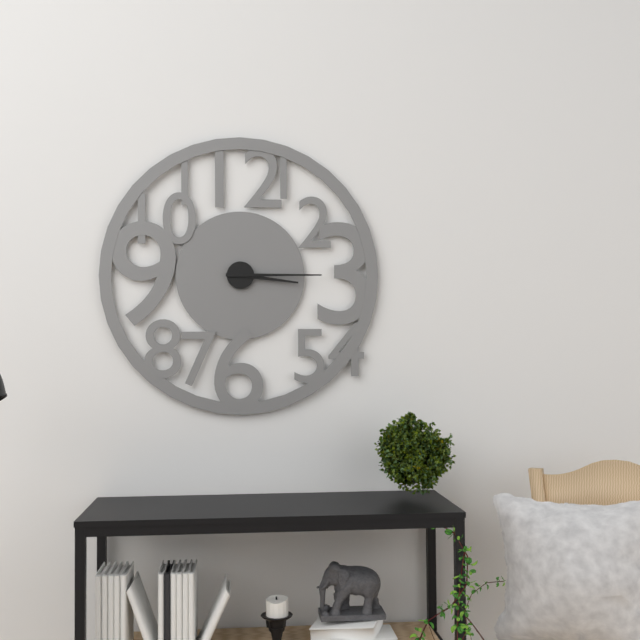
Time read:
**3:15**
